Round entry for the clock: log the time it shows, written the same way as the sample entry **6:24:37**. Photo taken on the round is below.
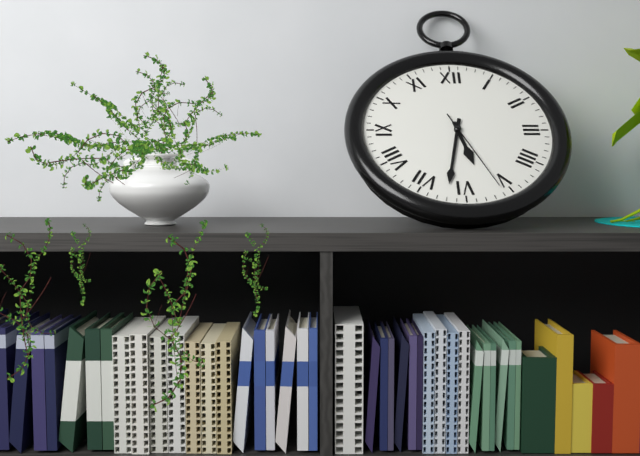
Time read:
**5:32:26**
